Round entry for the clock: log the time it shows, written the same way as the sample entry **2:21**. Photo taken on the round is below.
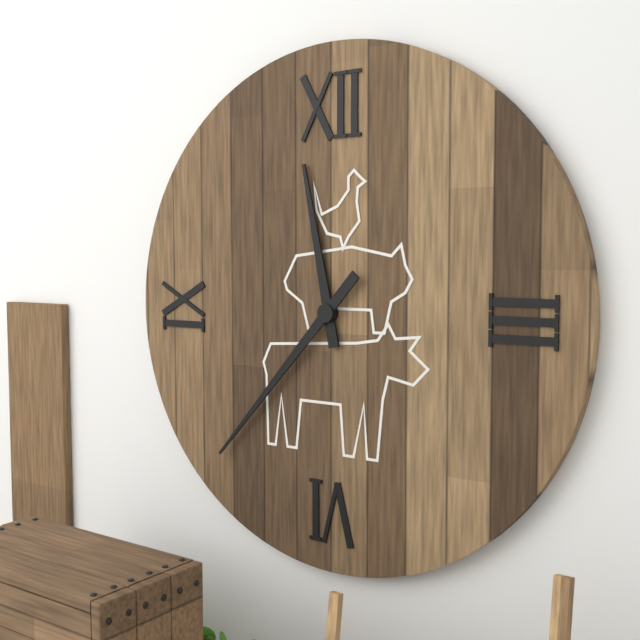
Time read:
**11:37**
